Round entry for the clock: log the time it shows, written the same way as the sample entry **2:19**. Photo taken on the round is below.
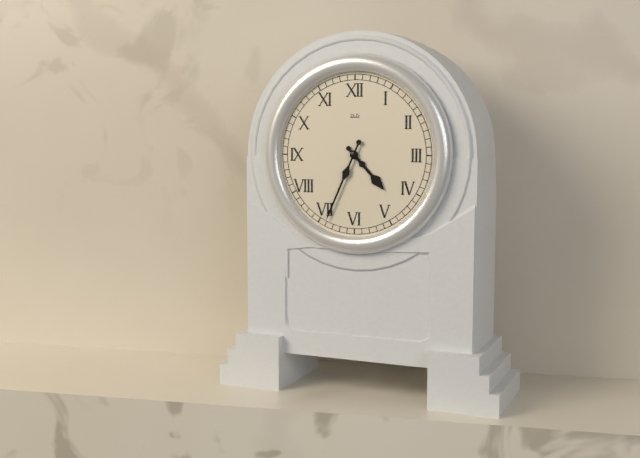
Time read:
**4:34**
